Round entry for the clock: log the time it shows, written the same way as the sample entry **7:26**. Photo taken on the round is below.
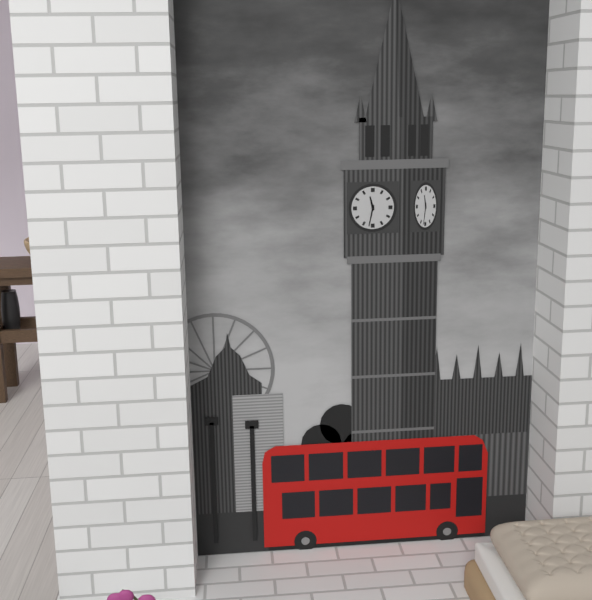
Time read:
**11:32**
